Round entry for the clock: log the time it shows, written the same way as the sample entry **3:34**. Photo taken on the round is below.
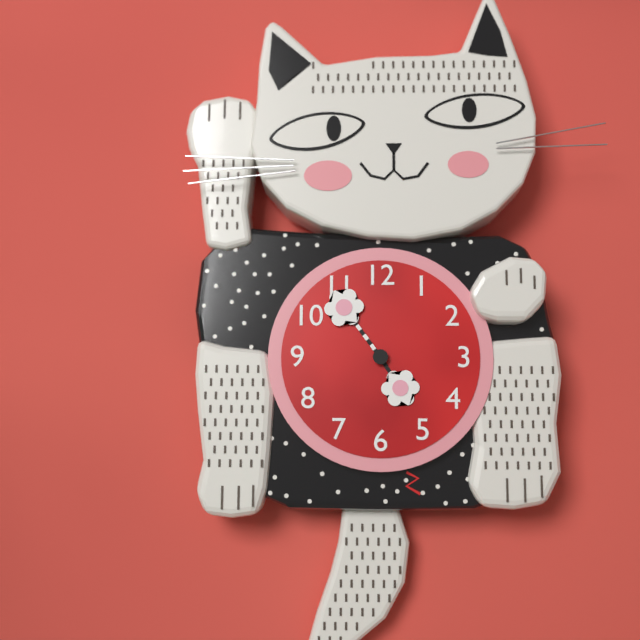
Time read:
**4:54**
